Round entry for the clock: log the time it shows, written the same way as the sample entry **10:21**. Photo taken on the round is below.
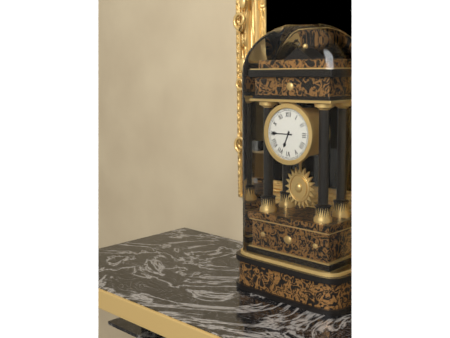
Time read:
**6:45**
